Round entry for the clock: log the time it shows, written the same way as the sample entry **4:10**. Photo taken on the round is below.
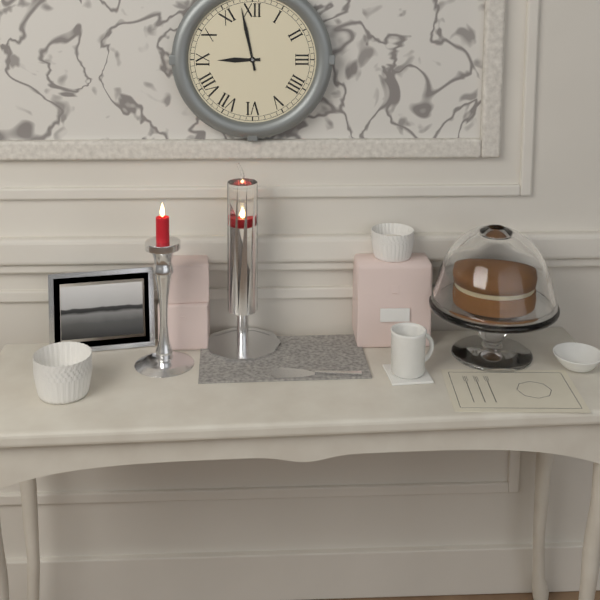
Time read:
**8:58**
